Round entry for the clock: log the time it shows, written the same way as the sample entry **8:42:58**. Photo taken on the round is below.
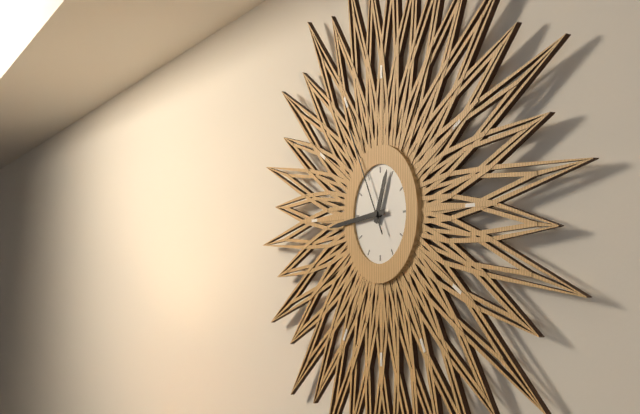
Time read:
**12:44:55**
